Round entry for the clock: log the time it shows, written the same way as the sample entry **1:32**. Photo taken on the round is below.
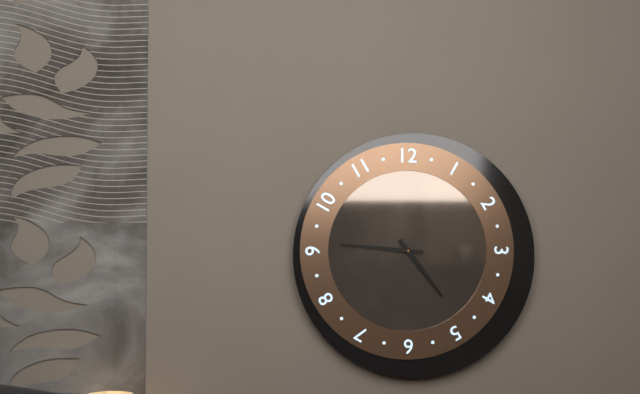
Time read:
**4:46**
